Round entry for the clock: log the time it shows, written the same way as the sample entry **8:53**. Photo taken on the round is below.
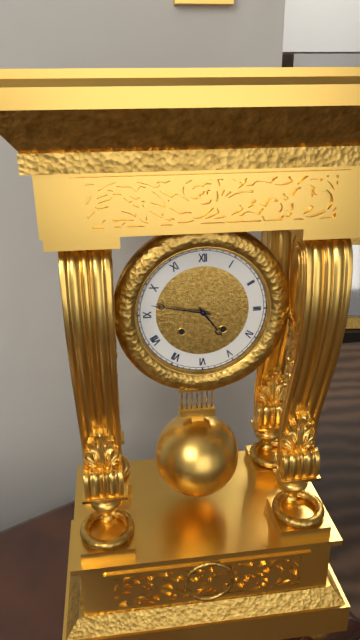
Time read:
**4:47**
